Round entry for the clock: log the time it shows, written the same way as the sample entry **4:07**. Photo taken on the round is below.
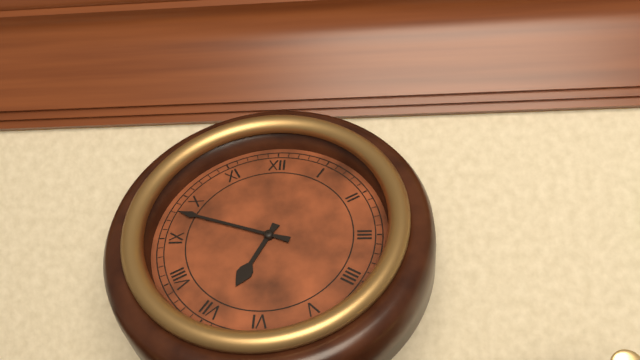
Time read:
**6:48**
